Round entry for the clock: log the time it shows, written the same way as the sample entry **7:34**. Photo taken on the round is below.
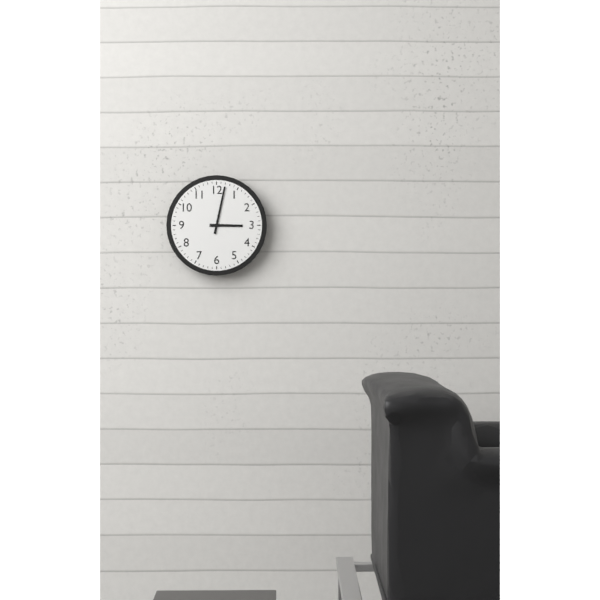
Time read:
**3:02**
